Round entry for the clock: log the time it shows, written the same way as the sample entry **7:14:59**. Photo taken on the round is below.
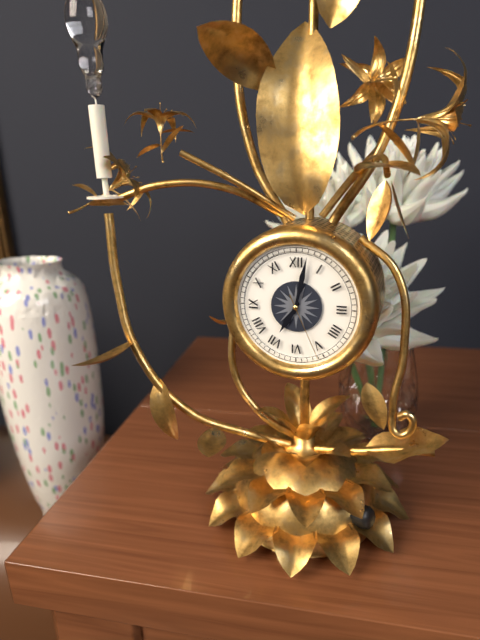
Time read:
**7:02:26**
